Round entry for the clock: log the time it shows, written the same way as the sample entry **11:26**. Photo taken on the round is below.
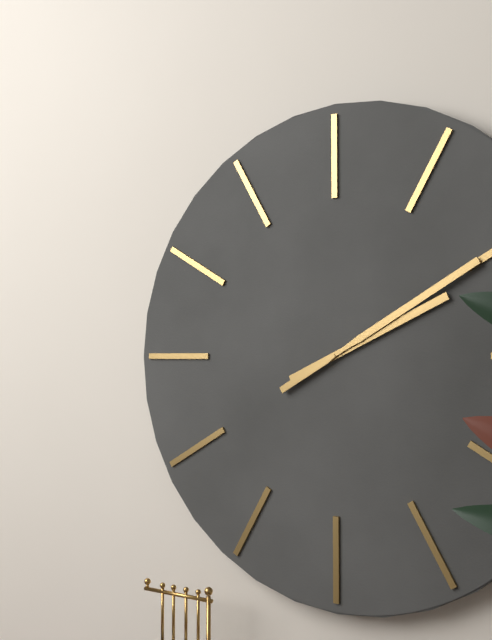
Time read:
**2:10**
